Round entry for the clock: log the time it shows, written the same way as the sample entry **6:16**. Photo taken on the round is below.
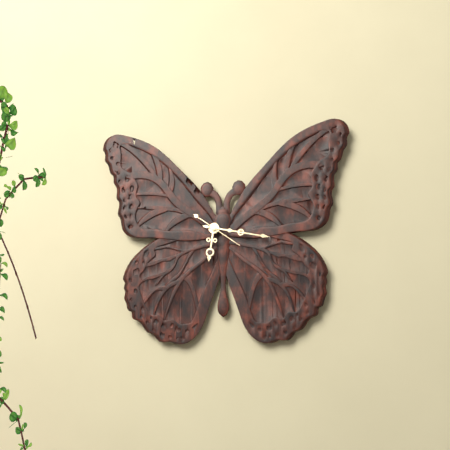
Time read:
**6:17**
